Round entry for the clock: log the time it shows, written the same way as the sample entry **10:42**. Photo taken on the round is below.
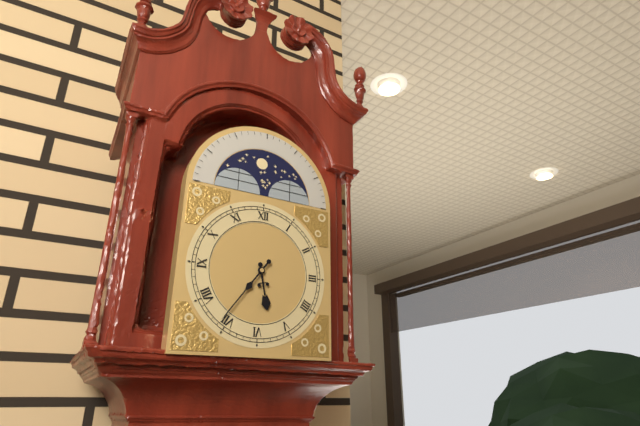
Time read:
**5:36**
